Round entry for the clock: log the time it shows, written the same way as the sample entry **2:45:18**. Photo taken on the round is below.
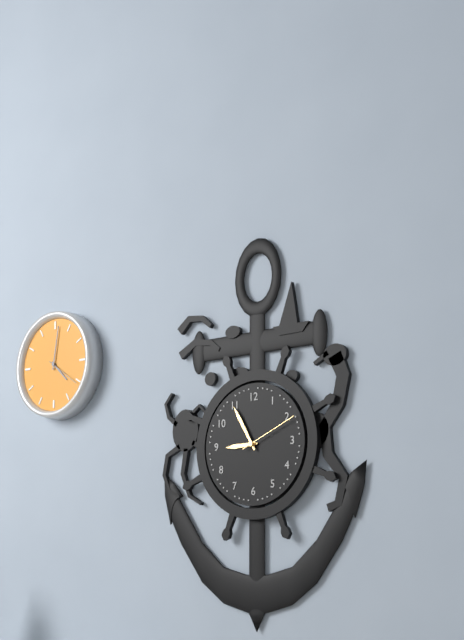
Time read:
**8:55:11**
